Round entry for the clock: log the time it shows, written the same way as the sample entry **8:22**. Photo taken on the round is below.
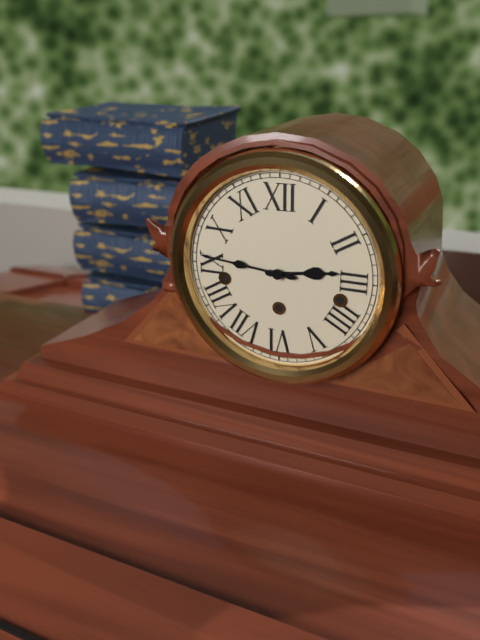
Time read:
**2:46**
